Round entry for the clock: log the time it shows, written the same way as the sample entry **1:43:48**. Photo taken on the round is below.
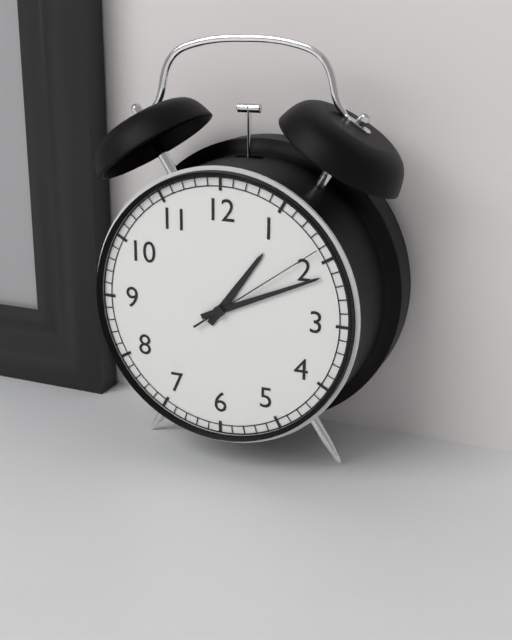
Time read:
**1:11:09**
